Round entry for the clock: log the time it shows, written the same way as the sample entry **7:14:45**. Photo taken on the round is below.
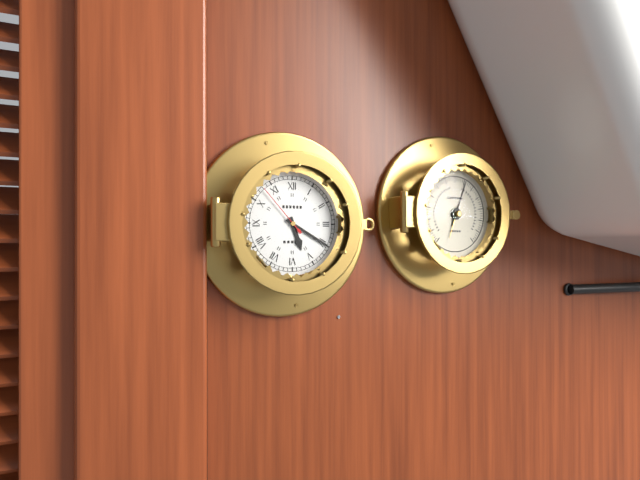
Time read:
**5:20:53**
